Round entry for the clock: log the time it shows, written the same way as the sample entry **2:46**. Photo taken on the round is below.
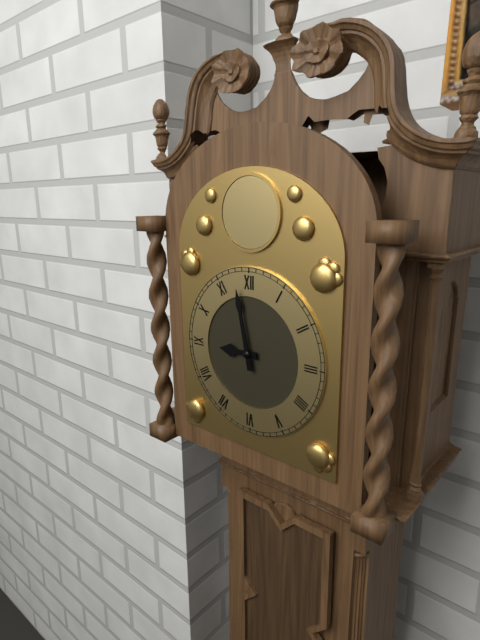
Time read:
**8:58**
